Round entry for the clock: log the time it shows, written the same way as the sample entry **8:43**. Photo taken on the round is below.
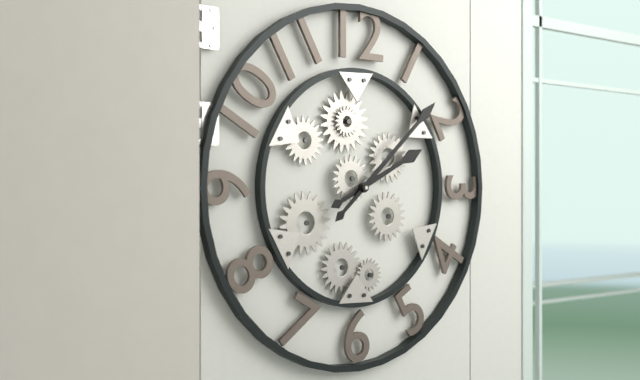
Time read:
**2:08**
